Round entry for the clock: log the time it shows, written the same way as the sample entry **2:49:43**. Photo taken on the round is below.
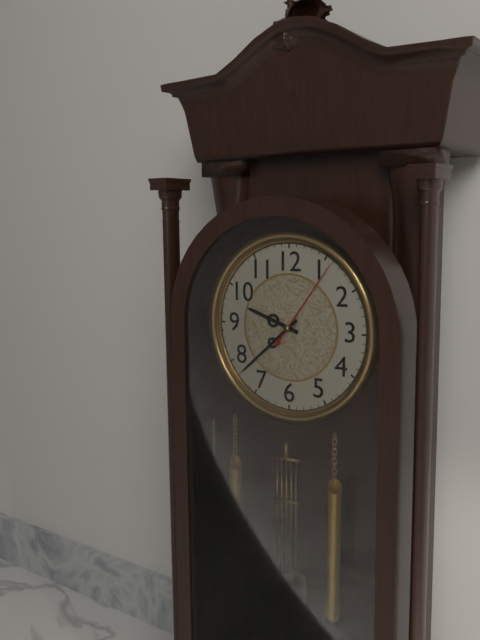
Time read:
**9:38:06**
